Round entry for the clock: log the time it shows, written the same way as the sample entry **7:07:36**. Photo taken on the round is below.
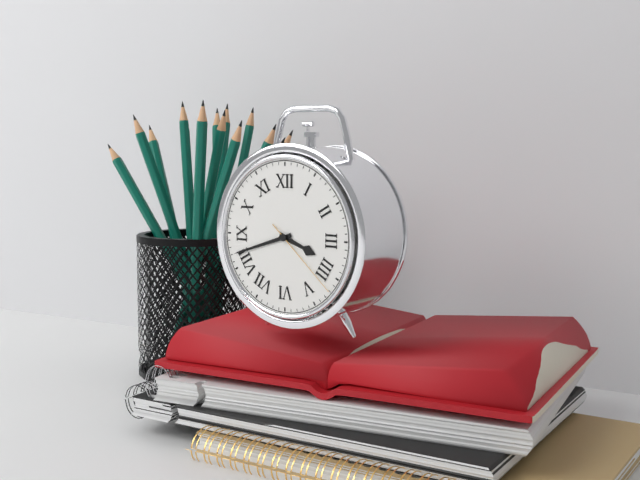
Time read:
**3:42:22**
